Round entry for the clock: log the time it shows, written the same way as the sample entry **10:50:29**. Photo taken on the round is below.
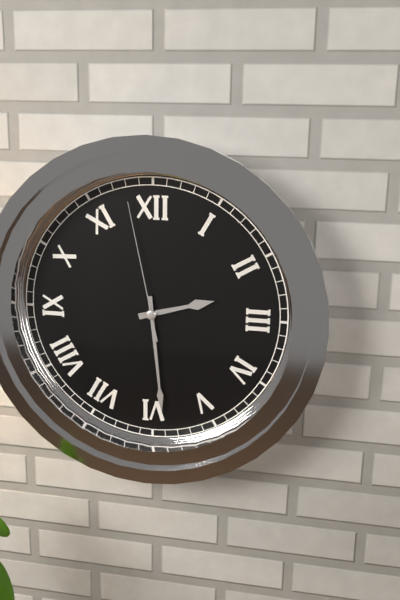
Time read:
**2:29:58**
